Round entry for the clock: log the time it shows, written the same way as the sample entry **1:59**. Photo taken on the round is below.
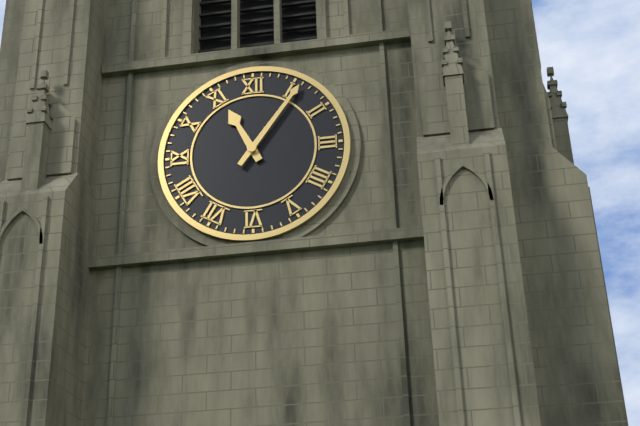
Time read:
**11:06**
